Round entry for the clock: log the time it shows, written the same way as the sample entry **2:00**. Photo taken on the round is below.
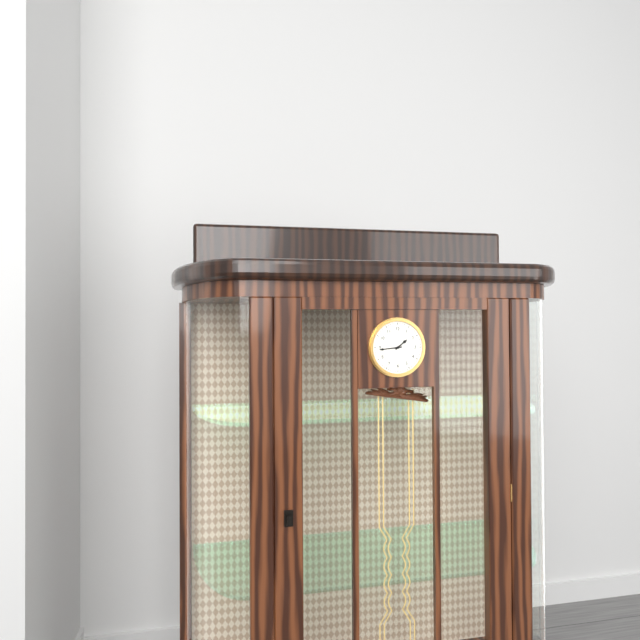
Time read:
**1:44**
